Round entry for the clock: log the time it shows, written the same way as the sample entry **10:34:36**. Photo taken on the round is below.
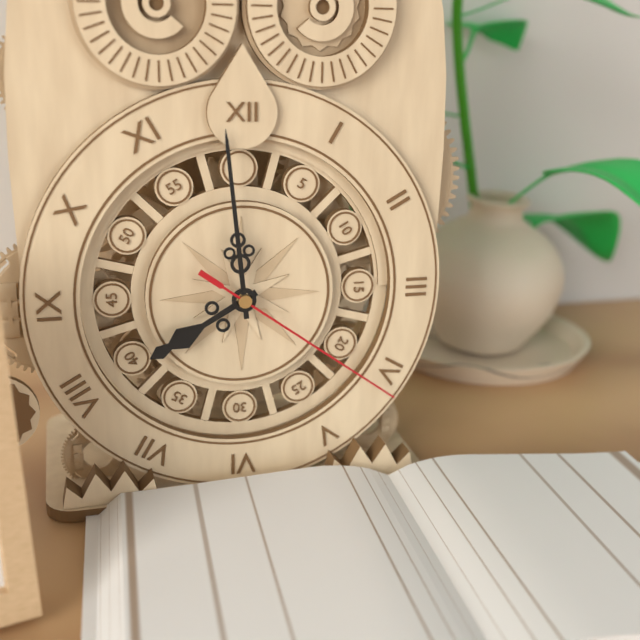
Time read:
**7:59:21**
